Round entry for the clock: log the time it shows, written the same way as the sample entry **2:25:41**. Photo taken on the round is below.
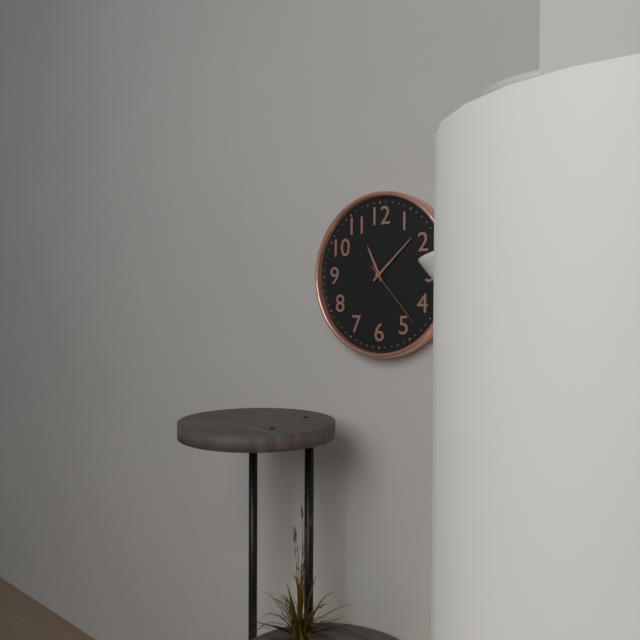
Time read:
**11:08:23**
